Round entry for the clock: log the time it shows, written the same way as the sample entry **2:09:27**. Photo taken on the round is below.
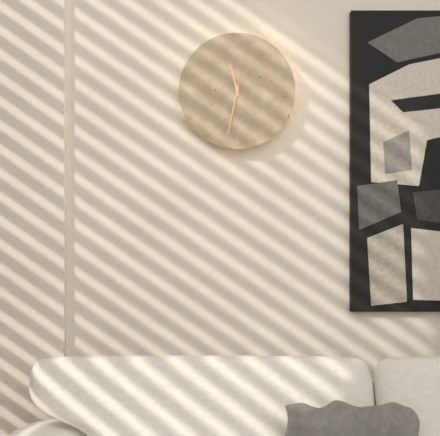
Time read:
**11:32:02**
